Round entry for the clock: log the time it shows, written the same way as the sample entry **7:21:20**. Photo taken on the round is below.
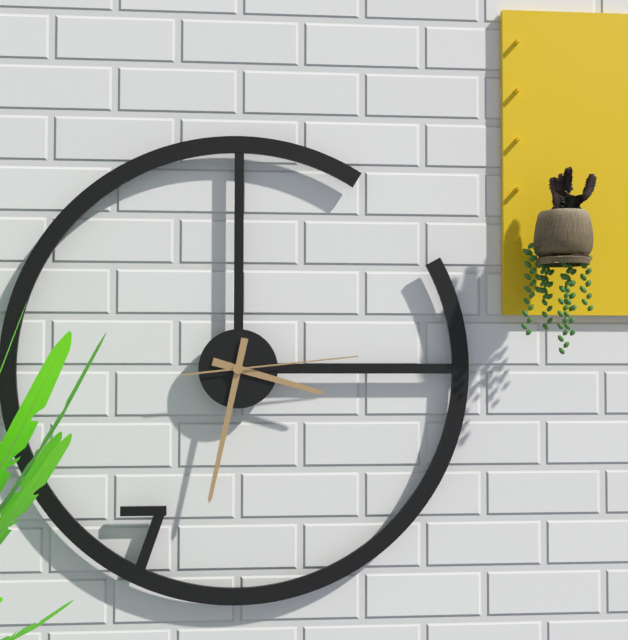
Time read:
**3:32:14**
